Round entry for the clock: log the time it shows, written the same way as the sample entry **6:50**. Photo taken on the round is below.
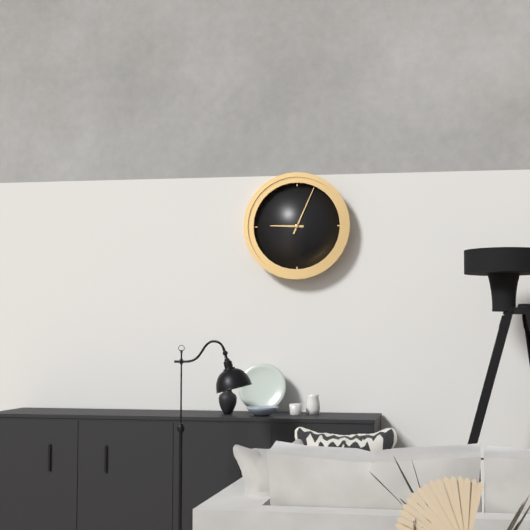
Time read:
**9:04**
